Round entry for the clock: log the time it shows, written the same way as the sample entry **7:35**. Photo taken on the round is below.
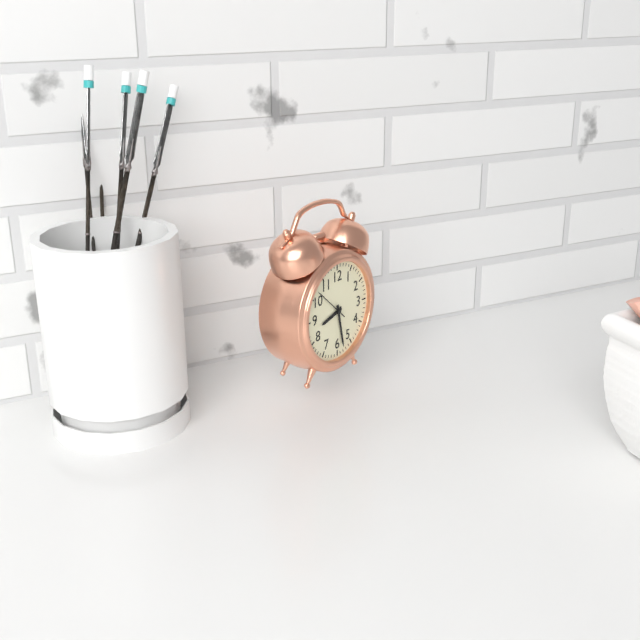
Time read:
**8:28**
